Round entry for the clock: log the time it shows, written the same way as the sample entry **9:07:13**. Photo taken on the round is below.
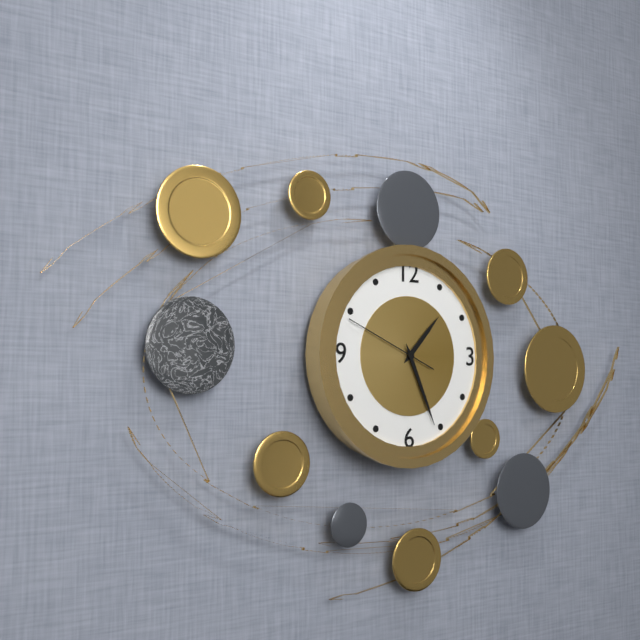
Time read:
**1:26:49**
